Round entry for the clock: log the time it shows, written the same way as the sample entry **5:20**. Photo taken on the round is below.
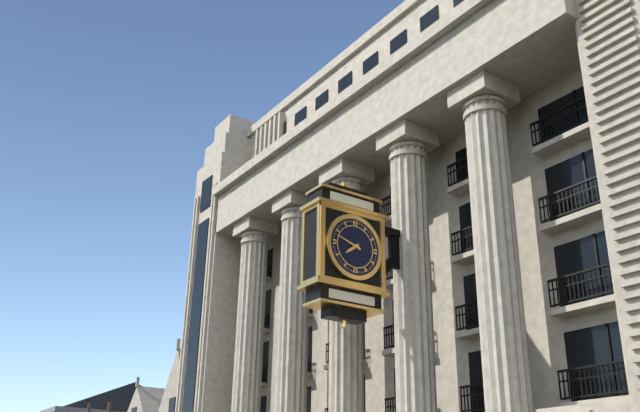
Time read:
**7:48**
